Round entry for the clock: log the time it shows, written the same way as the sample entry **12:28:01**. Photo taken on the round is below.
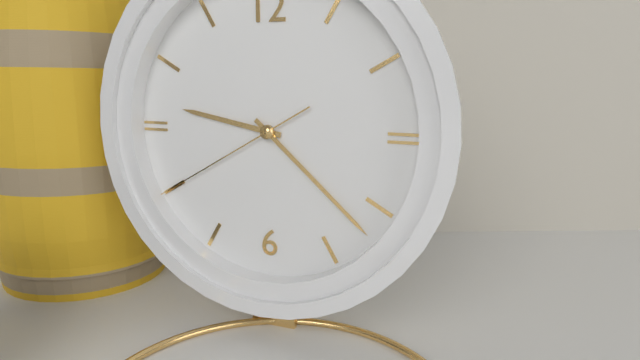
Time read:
**9:22:40**
